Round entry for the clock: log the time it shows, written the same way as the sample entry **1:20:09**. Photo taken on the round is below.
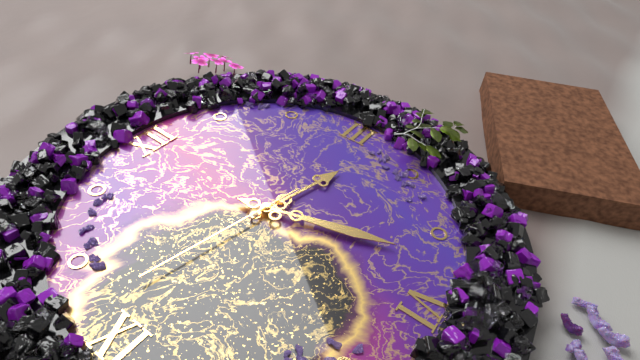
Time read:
**3:27:47**
